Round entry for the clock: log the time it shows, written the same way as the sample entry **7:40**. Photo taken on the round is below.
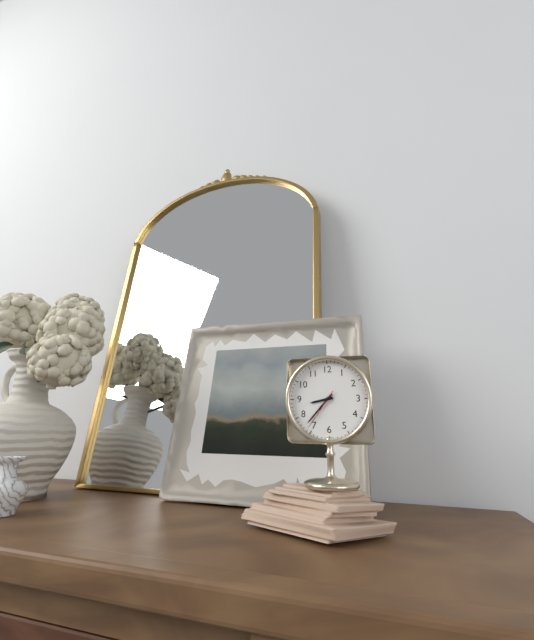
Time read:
**8:37**
